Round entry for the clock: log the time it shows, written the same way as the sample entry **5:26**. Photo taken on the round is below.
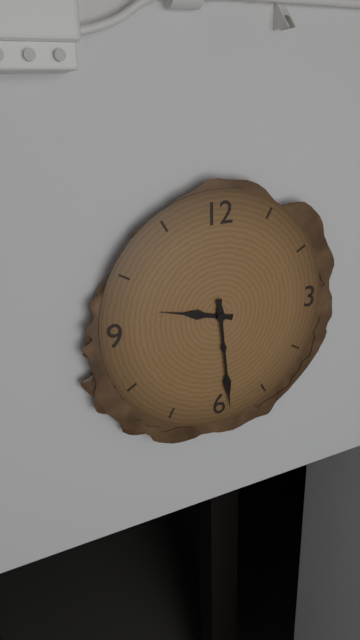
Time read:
**9:29**
